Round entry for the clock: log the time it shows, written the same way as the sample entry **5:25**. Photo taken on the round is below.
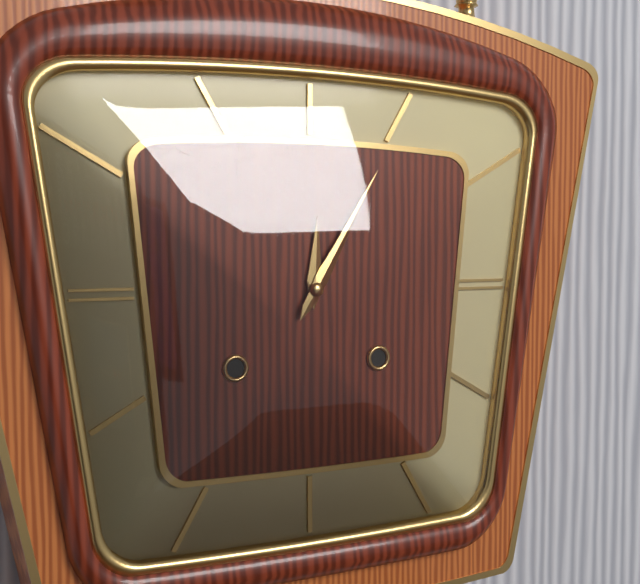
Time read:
**12:05**
